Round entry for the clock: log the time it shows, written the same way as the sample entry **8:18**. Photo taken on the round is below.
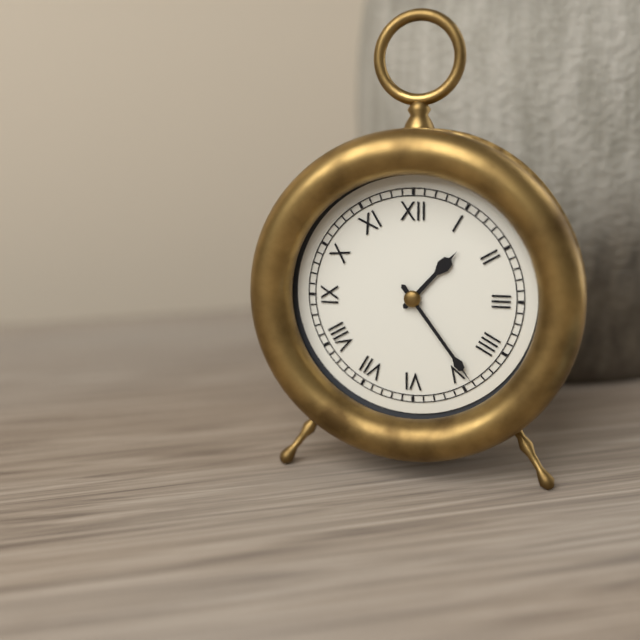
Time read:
**1:24**
